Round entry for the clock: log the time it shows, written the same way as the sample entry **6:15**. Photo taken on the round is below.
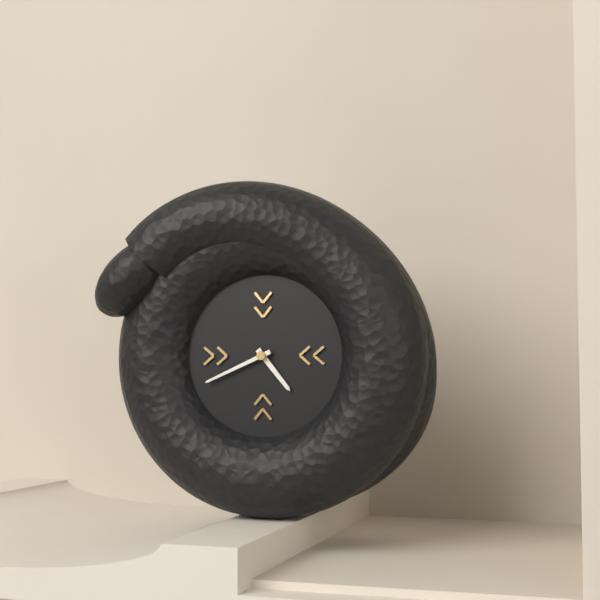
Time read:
**4:41**
